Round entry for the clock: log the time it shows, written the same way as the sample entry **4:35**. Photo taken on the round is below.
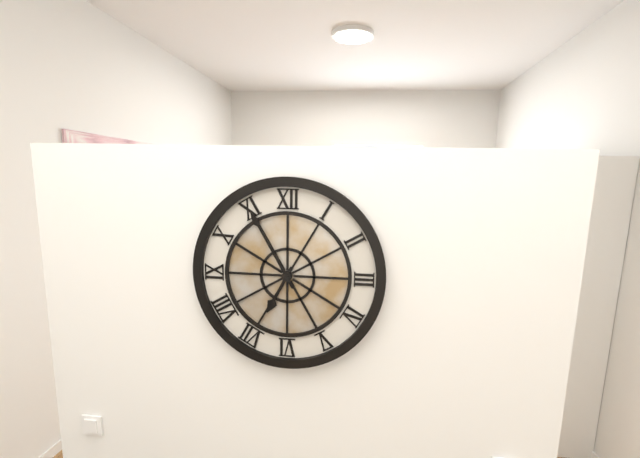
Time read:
**6:55**
